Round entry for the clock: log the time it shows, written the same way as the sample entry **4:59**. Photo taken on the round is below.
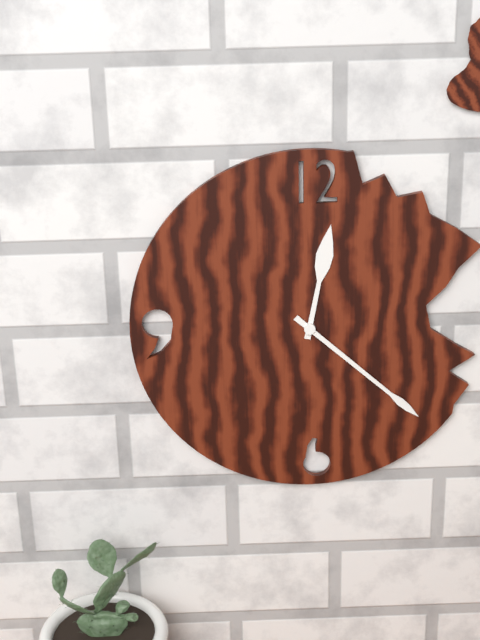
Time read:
**12:22**
